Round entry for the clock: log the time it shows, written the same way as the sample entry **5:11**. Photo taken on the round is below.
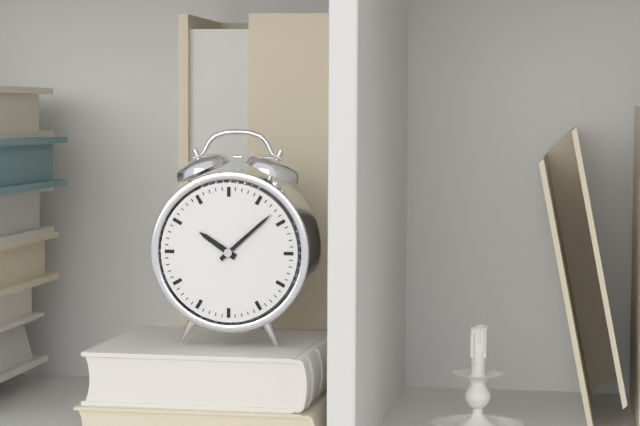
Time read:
**10:08**
